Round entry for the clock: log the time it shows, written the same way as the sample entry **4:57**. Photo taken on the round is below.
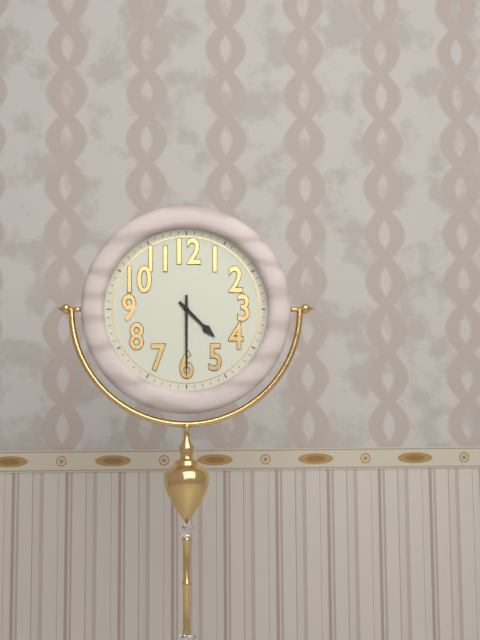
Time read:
**4:30**
